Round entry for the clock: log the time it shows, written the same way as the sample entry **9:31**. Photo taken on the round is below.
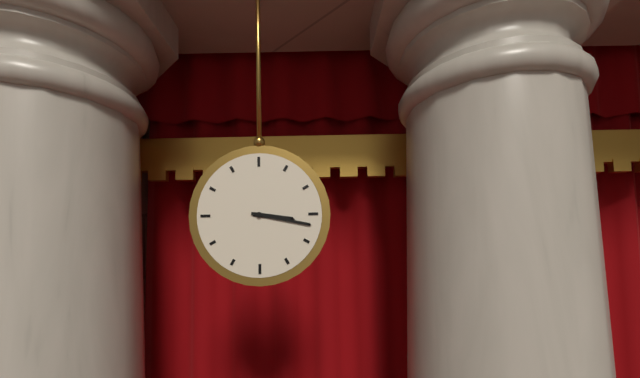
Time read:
**3:17**
